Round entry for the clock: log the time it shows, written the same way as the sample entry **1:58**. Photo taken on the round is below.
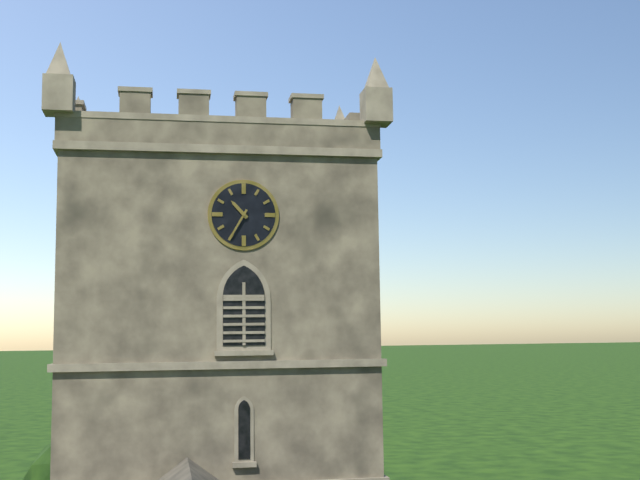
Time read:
**10:35**
